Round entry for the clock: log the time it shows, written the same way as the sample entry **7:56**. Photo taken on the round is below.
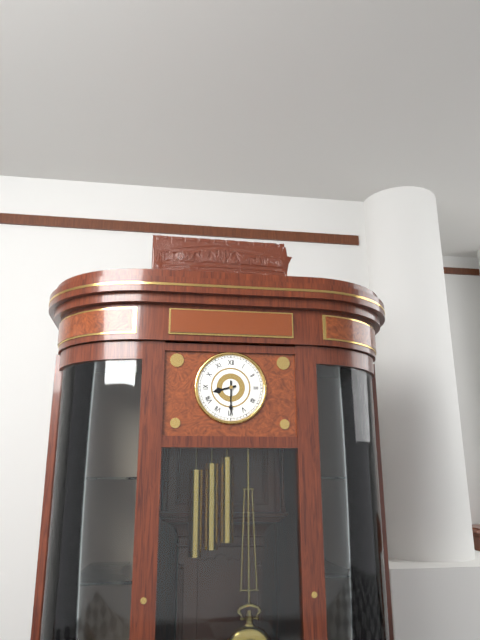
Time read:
**8:30**
